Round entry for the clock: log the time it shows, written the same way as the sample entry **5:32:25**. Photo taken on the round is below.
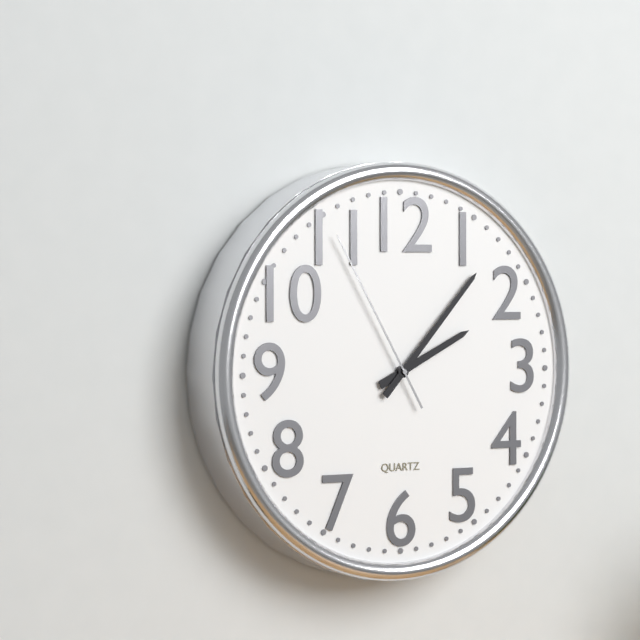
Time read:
**2:07:55**
